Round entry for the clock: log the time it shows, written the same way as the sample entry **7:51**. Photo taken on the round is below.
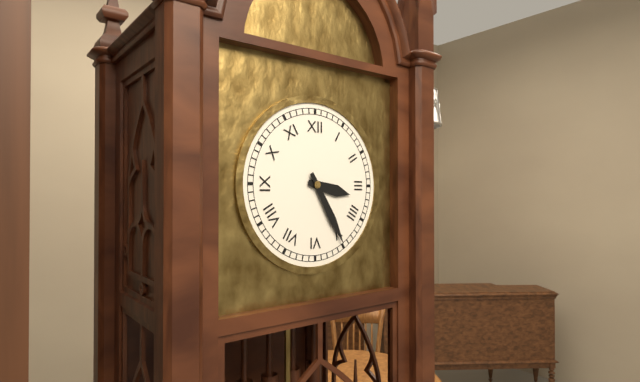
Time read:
**3:25**
